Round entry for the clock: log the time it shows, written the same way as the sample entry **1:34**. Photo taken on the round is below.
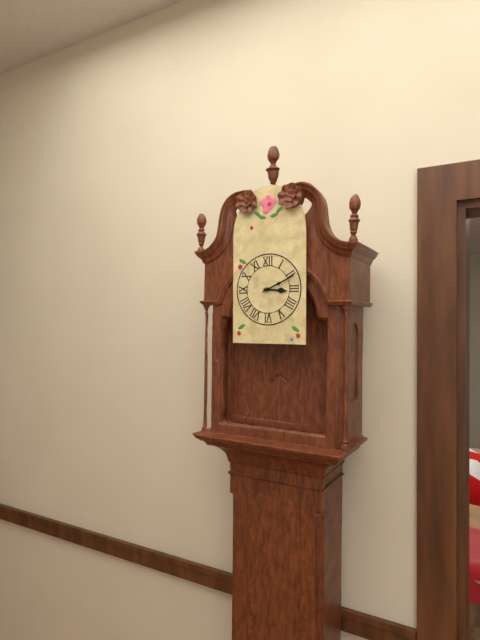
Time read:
**3:11**
